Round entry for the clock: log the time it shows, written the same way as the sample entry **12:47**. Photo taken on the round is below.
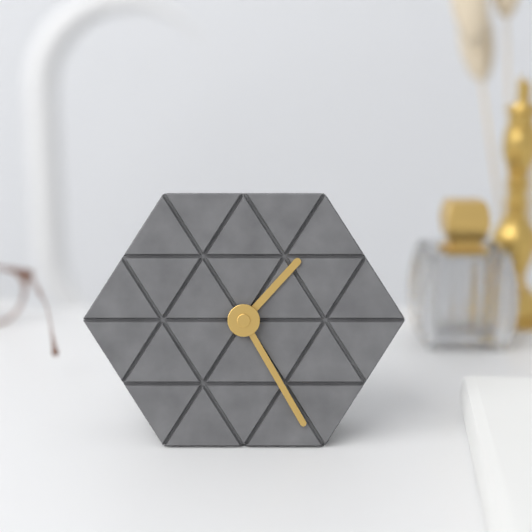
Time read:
**1:25**
